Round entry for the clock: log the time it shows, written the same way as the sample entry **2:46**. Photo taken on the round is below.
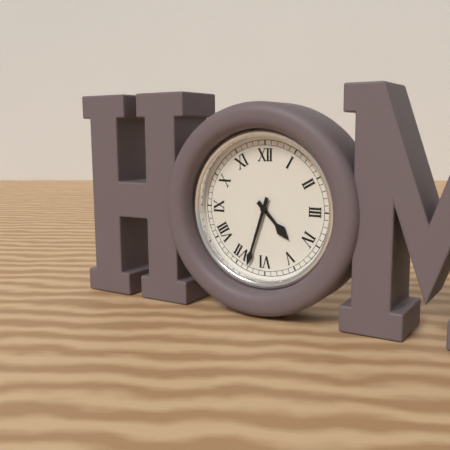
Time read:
**4:33**
